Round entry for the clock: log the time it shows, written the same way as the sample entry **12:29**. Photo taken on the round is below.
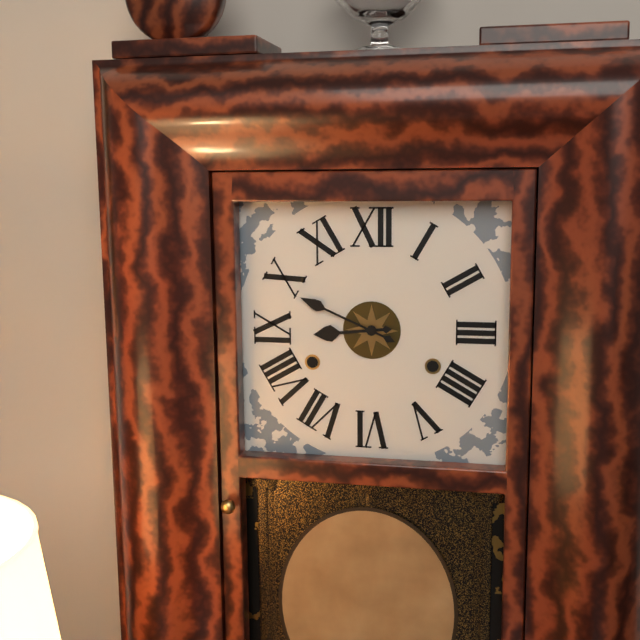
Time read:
**8:49**
